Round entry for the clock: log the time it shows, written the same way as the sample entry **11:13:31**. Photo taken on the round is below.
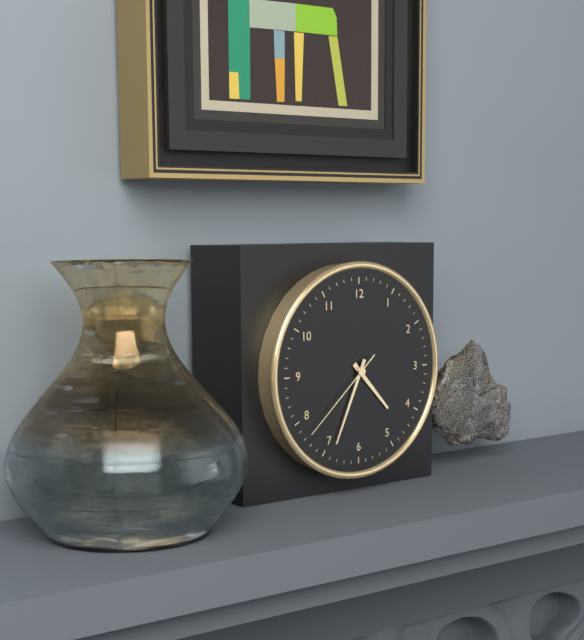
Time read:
**4:34:38**
